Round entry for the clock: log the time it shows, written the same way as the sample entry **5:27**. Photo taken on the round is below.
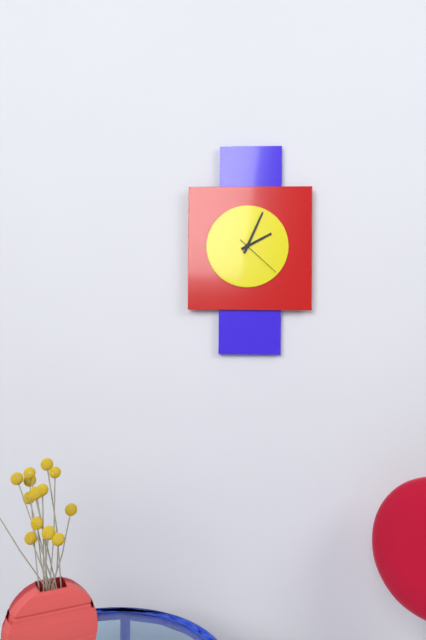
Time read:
**2:04**
